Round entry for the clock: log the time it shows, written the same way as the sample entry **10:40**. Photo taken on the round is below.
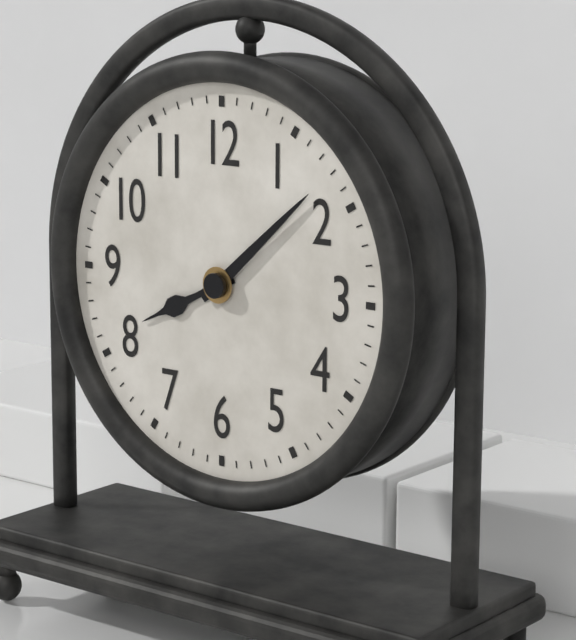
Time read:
**8:08**
